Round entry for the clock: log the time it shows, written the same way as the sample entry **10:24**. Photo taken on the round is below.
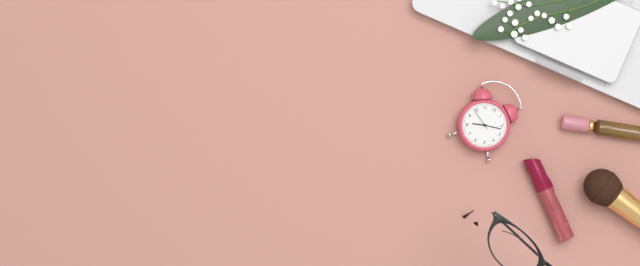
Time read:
**8:12**
